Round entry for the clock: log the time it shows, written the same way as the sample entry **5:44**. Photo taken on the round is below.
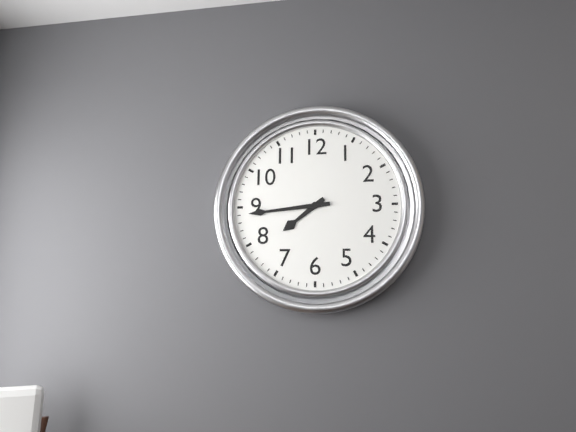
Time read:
**7:44**
